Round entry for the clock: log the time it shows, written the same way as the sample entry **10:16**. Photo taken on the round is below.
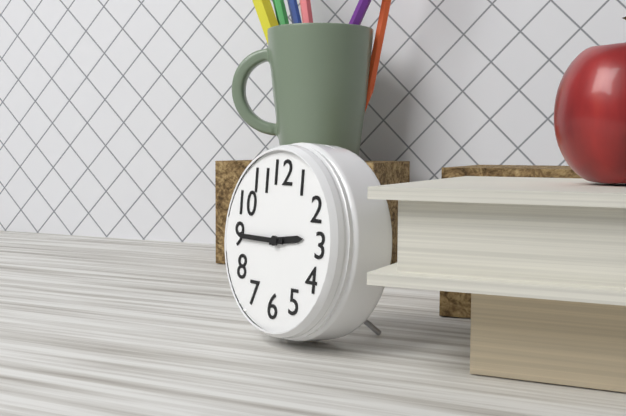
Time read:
**2:45**
